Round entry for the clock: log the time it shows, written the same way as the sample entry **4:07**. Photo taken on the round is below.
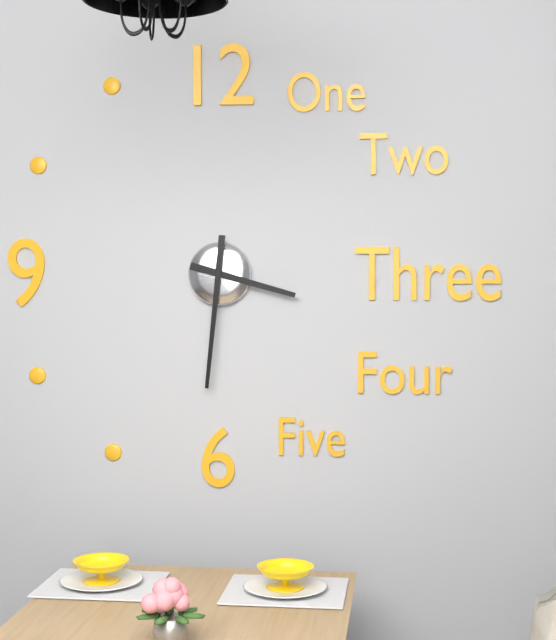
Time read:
**3:31**
